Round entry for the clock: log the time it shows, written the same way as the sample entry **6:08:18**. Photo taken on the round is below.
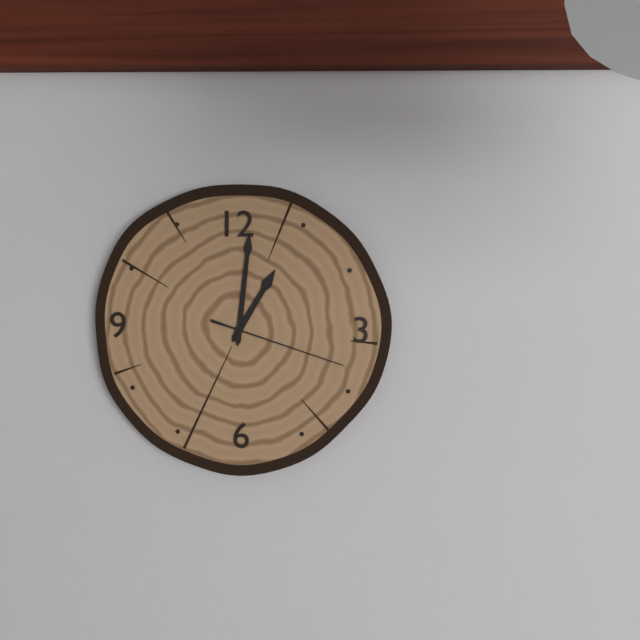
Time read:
**1:01:18**
